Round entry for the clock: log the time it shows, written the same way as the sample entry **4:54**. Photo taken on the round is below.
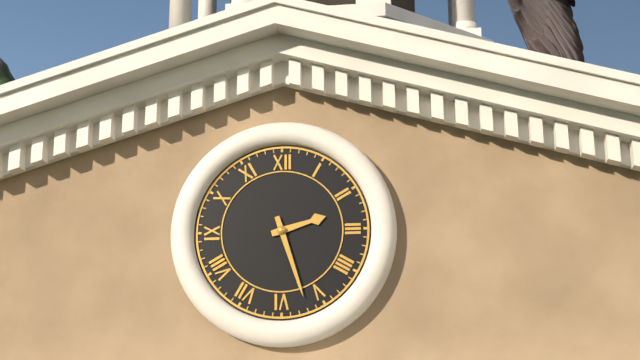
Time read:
**2:27**
